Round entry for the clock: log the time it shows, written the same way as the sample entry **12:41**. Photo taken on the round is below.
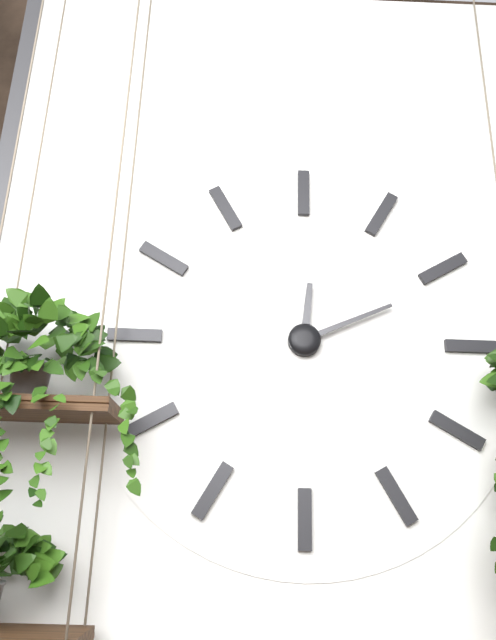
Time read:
**12:11**
